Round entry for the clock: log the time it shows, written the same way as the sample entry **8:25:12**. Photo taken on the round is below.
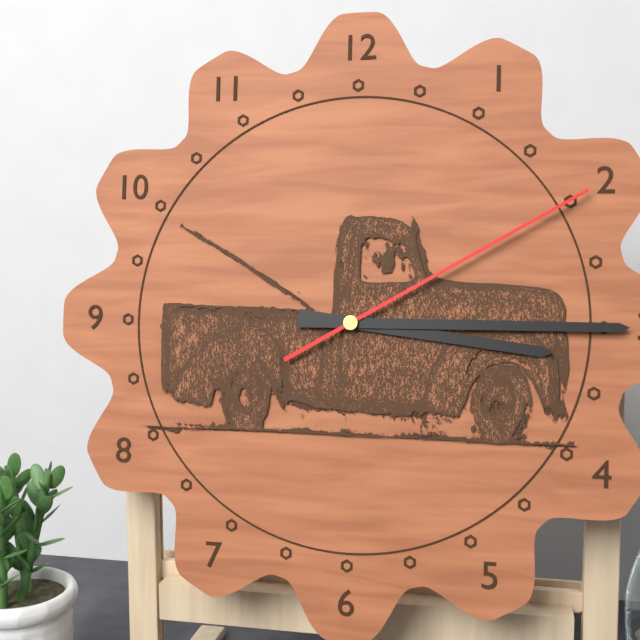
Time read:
**3:15:10**
